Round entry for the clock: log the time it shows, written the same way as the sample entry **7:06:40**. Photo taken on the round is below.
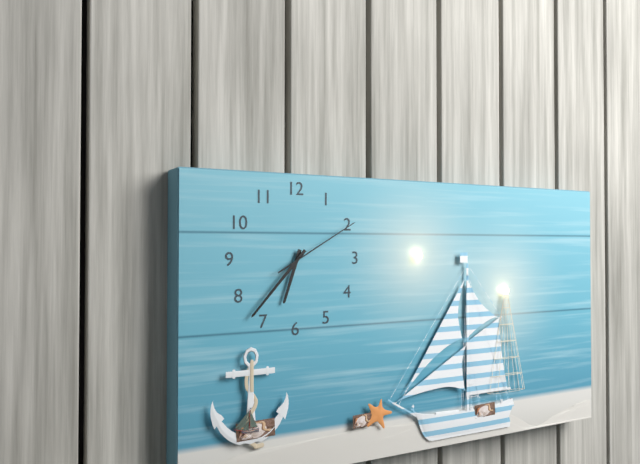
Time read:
**6:37:10**
